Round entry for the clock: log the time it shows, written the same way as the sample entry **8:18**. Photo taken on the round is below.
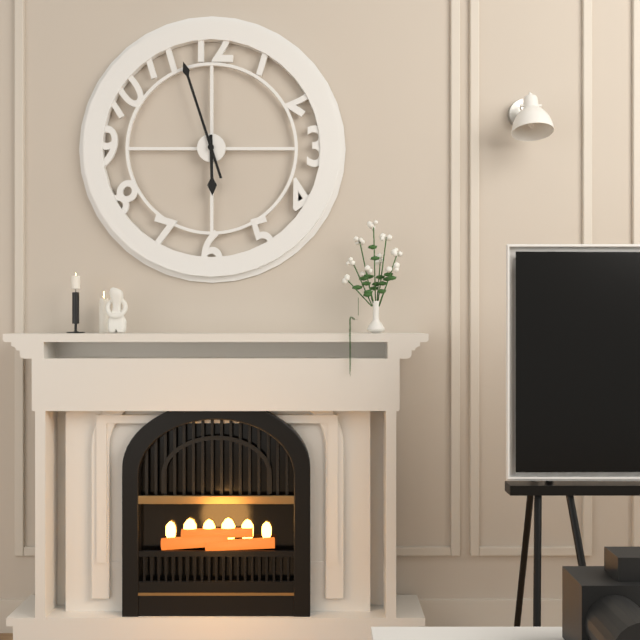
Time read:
**5:57**
